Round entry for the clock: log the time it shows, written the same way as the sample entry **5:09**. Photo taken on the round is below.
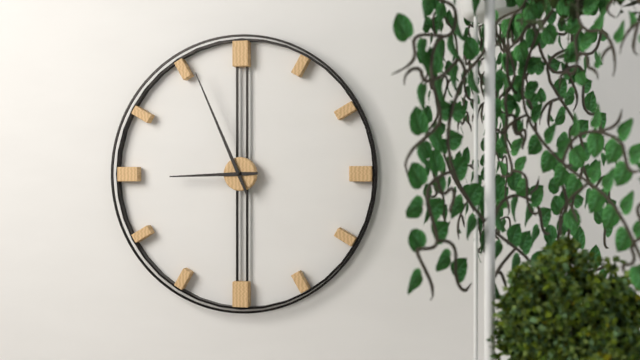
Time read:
**8:56**
